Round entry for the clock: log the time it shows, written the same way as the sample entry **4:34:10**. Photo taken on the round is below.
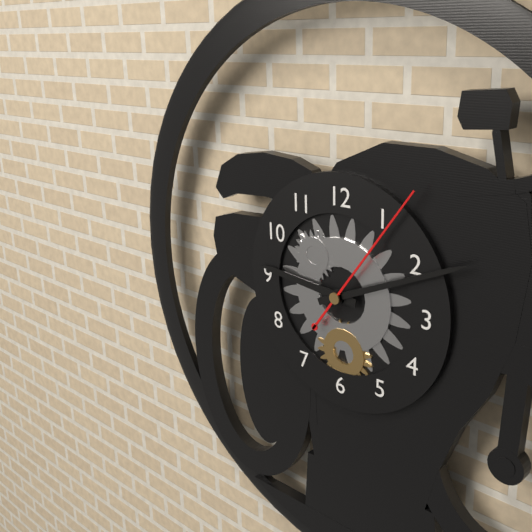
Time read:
**9:11:06**
